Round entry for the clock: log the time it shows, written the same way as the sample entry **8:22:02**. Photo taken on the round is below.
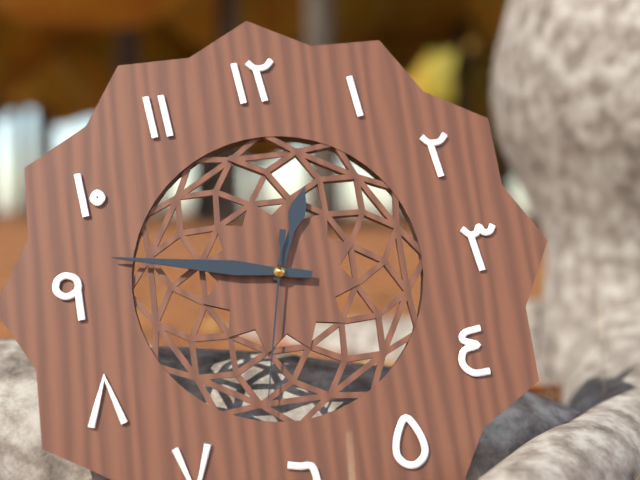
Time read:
**12:47:32**
